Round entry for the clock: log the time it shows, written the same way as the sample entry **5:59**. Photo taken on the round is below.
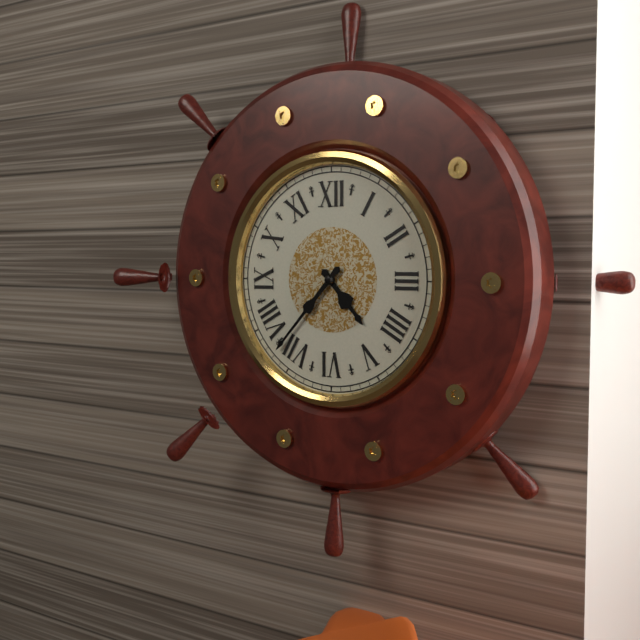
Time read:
**4:37**
